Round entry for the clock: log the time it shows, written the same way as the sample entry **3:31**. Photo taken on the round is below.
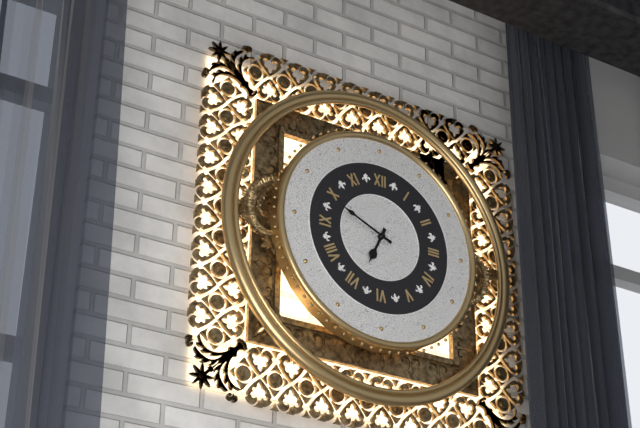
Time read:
**6:49**
